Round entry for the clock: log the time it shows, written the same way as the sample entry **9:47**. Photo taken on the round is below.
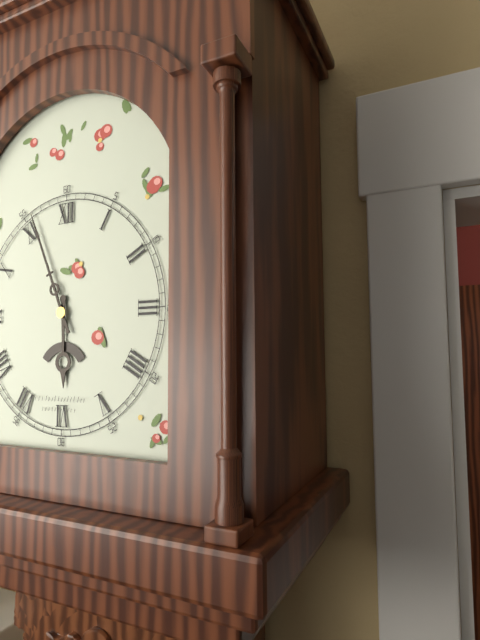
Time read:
**5:56**
